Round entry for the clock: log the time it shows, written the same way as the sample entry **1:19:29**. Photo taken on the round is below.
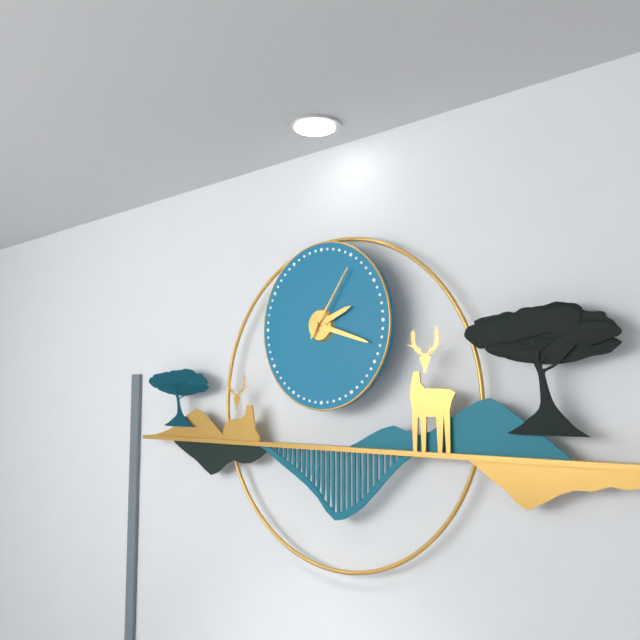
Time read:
**2:18:06**
